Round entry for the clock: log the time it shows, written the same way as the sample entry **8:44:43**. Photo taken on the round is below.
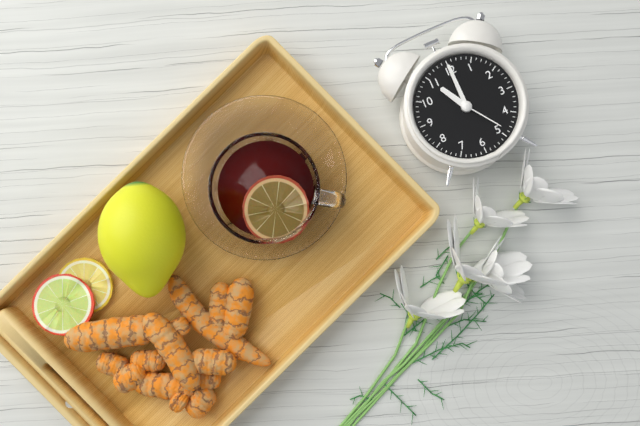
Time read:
**11:00:24**
